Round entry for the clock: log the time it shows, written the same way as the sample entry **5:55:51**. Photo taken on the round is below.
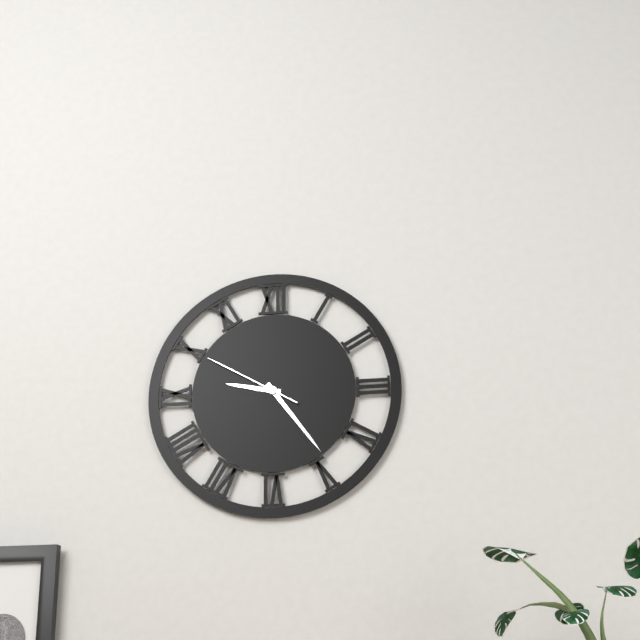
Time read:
**9:24:50**
